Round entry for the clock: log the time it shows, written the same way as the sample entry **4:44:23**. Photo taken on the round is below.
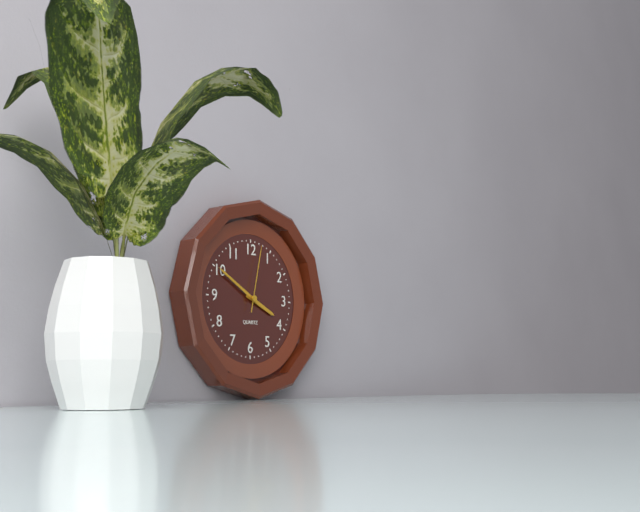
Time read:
**3:50:02**
